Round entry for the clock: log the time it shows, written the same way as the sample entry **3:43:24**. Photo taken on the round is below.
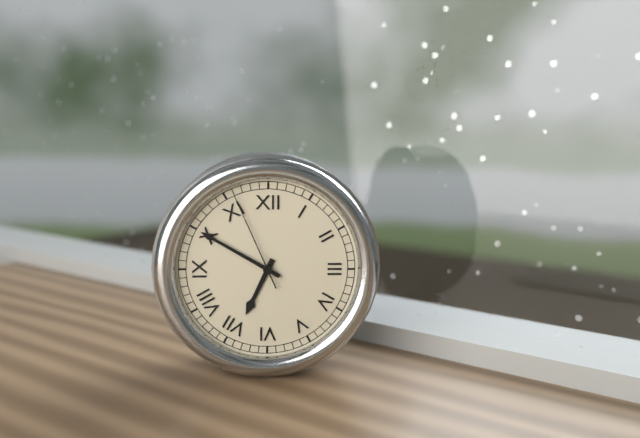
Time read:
**6:50:56**
